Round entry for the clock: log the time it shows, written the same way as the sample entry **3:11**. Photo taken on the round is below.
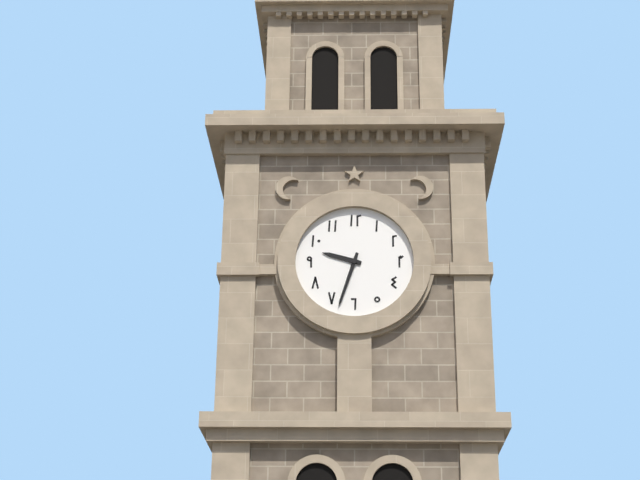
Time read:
**9:33**
